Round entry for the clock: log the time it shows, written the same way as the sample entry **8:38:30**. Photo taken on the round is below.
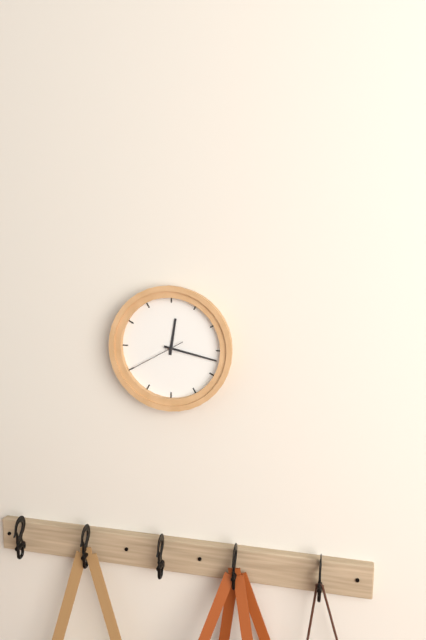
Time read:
**12:17:40**
